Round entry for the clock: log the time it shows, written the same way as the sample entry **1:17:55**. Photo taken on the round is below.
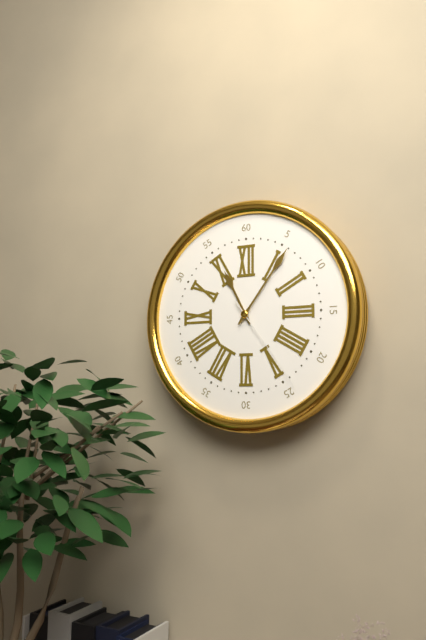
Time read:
**11:06:24**
